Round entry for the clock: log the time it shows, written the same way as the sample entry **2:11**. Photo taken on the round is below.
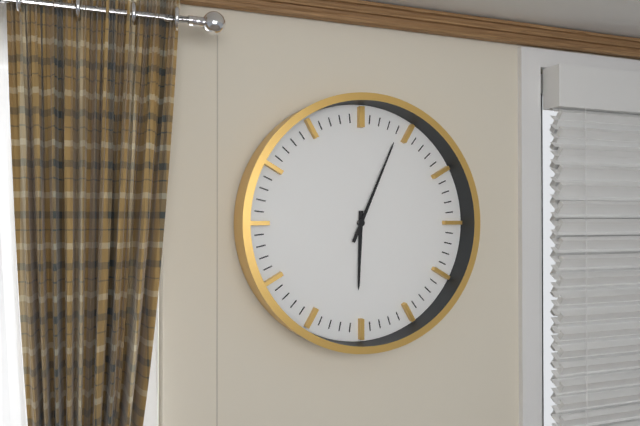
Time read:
**6:04**
